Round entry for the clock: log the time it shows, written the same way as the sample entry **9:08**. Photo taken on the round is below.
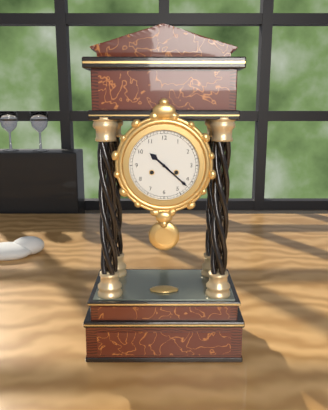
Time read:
**10:22**
